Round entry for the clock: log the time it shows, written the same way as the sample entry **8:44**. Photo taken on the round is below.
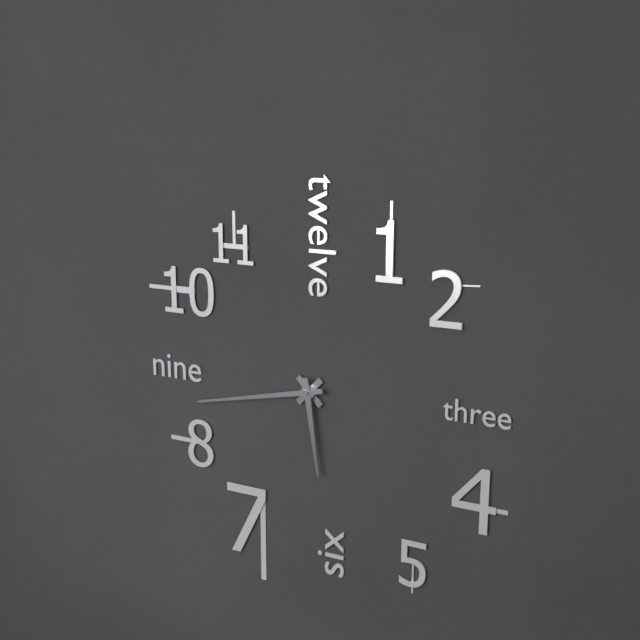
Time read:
**5:43**
